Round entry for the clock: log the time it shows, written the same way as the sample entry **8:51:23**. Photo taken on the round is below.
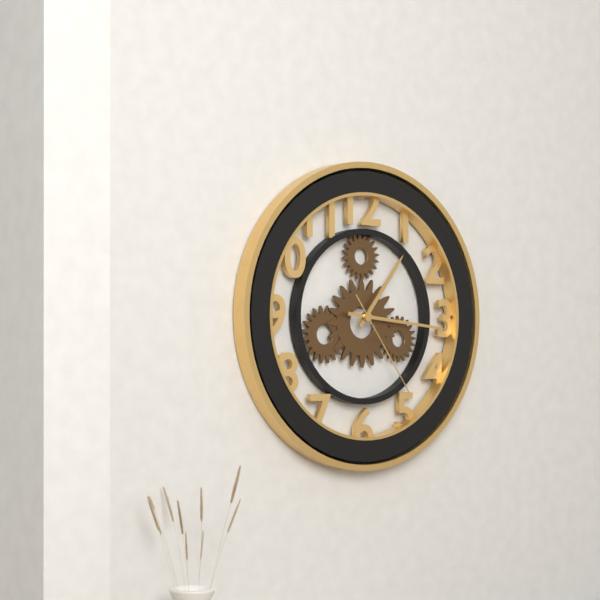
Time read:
**1:16:24**
